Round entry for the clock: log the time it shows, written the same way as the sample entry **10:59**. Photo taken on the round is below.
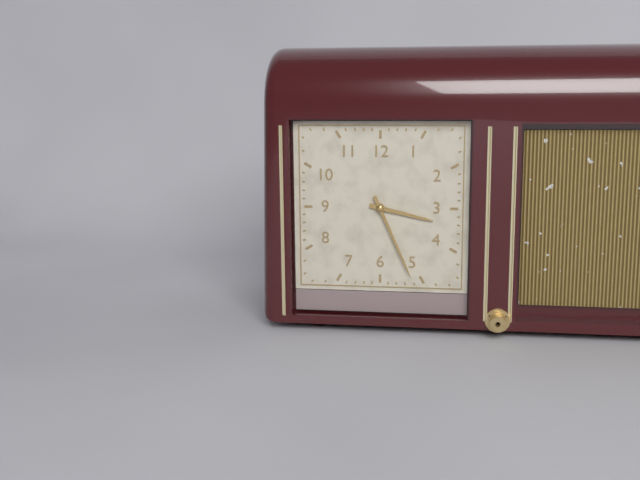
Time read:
**3:26**
